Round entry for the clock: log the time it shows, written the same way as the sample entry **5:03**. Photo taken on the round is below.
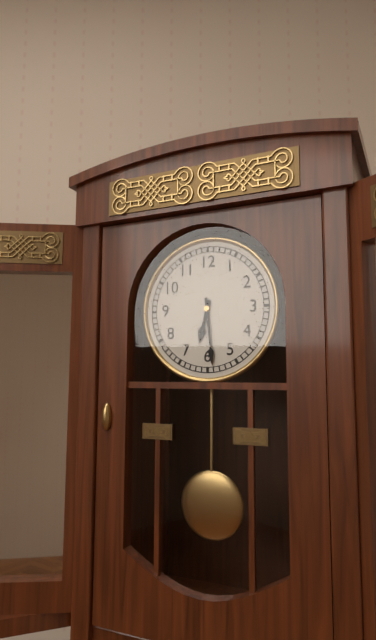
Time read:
**6:29**
